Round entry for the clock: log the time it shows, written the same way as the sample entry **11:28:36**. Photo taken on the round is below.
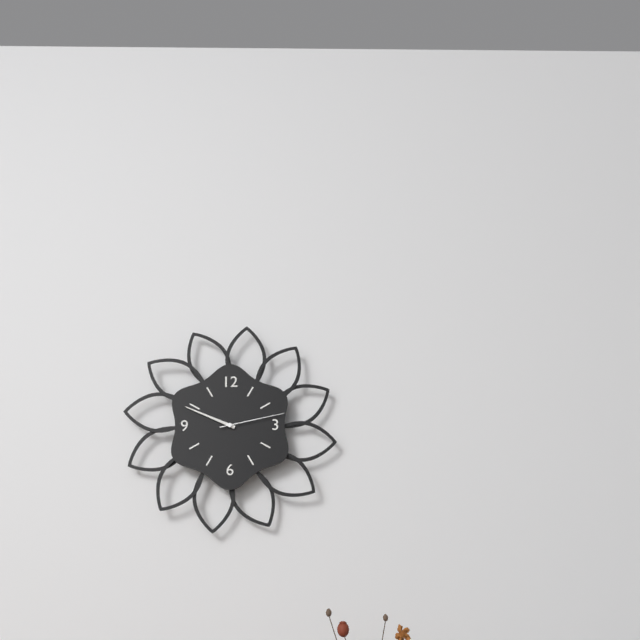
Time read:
**9:49:13**
